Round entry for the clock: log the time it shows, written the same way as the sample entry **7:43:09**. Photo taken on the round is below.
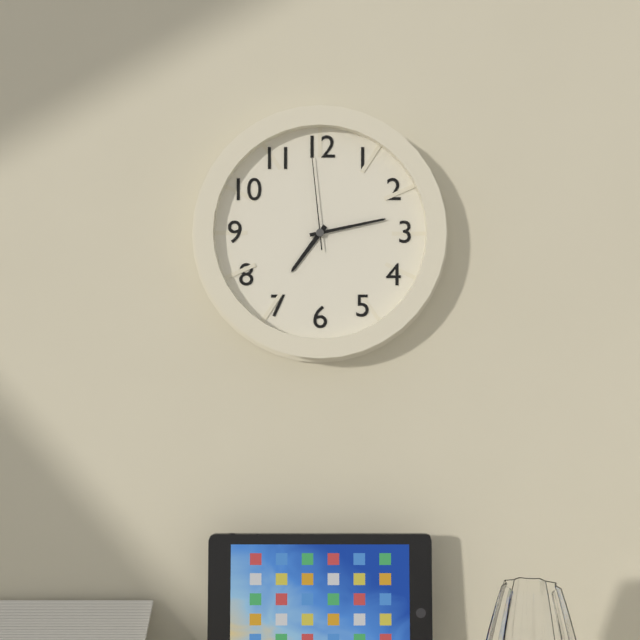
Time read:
**7:13:59**
